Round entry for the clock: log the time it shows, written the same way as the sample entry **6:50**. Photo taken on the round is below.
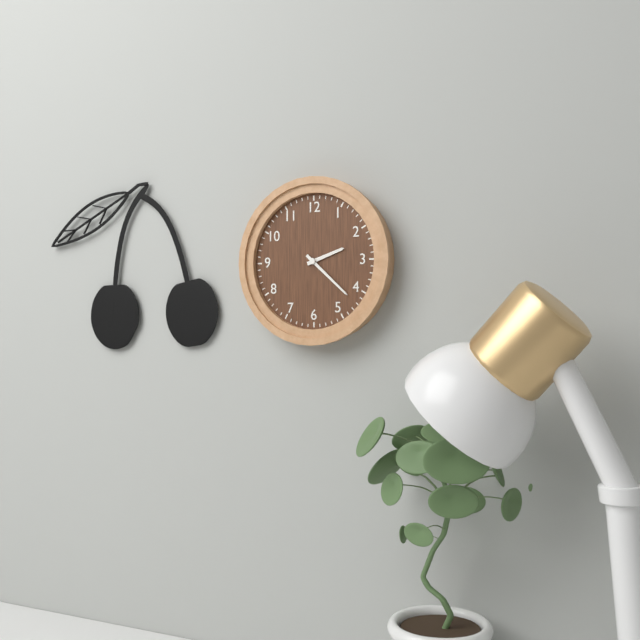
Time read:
**2:22**
